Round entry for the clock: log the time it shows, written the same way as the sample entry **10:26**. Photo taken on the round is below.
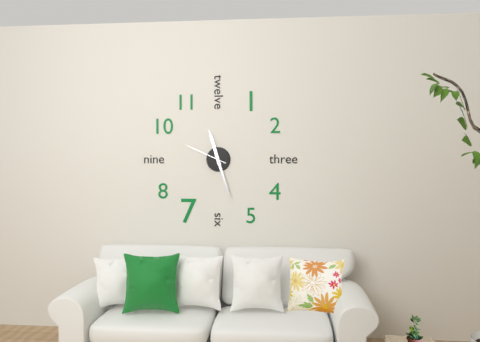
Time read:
**11:27**
